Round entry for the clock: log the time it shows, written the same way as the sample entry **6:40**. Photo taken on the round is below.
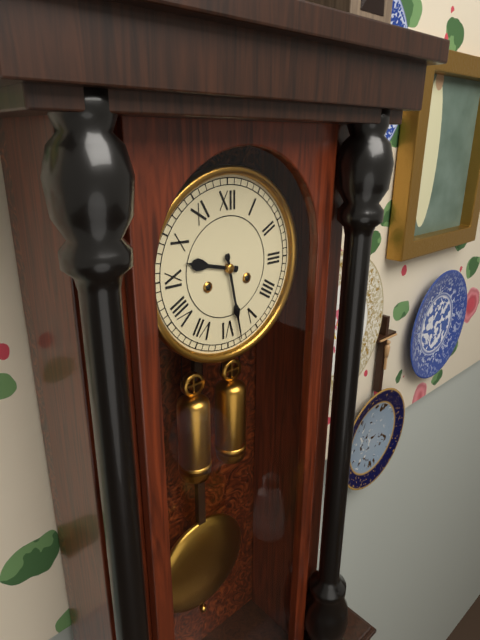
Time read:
**9:28**
